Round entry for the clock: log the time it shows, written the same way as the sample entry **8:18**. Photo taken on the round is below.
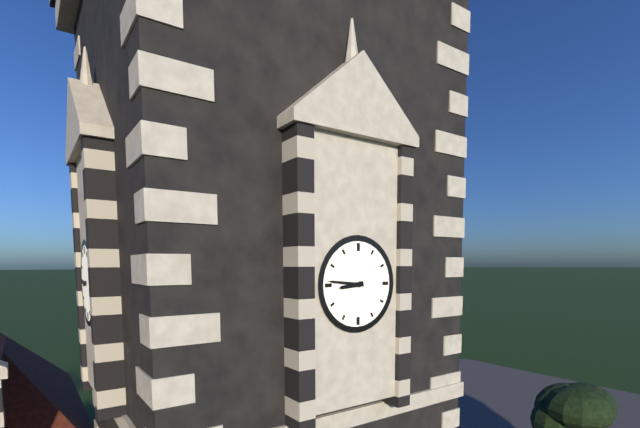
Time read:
**8:46**
